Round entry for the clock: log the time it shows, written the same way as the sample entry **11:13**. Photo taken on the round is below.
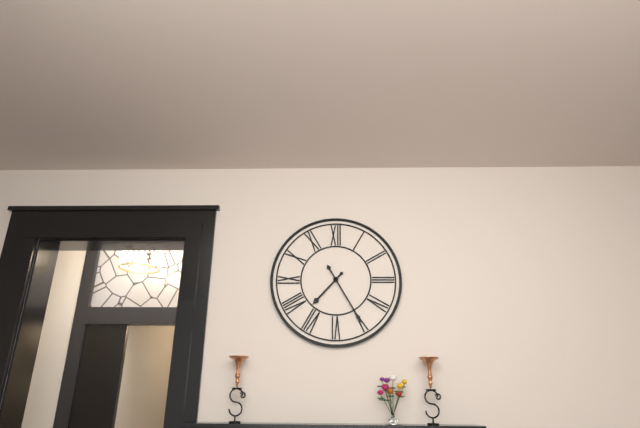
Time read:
**7:25**
